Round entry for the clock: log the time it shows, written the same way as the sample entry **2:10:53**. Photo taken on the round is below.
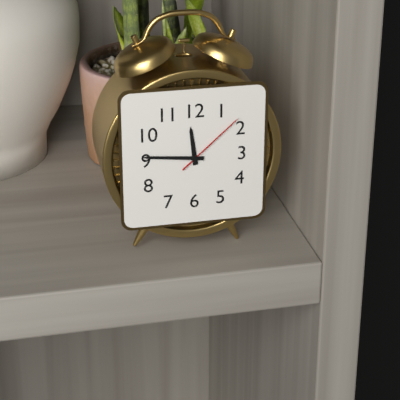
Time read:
**11:46:08**
